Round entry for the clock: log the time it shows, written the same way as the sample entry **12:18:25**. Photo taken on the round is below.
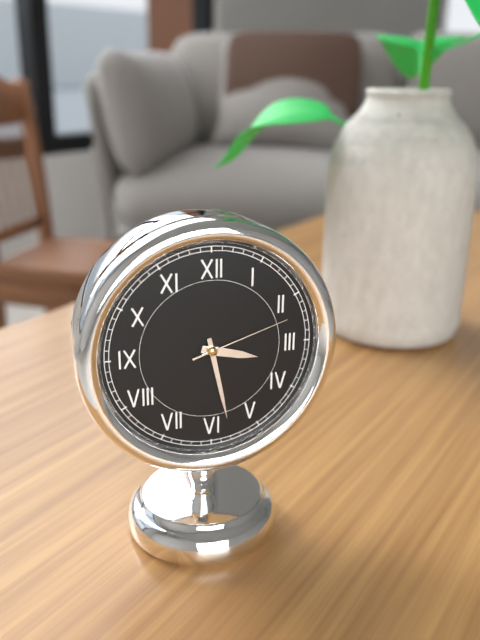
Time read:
**3:28:12**
